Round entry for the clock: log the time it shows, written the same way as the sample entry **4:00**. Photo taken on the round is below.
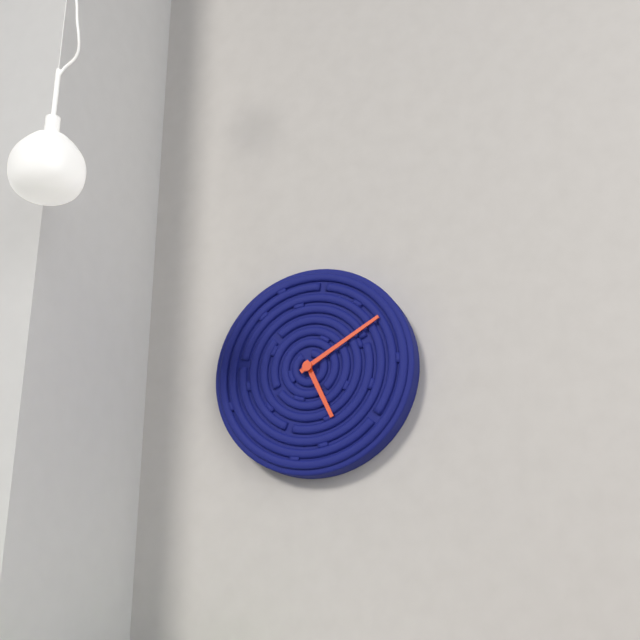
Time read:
**5:10**
